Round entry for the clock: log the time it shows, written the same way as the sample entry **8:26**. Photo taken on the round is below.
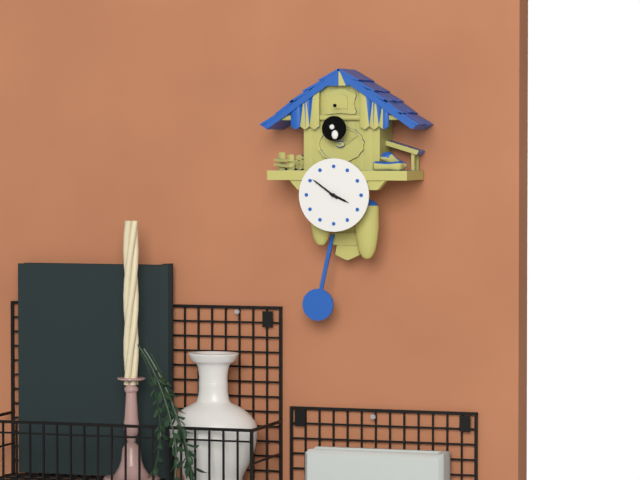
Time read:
**3:51**
